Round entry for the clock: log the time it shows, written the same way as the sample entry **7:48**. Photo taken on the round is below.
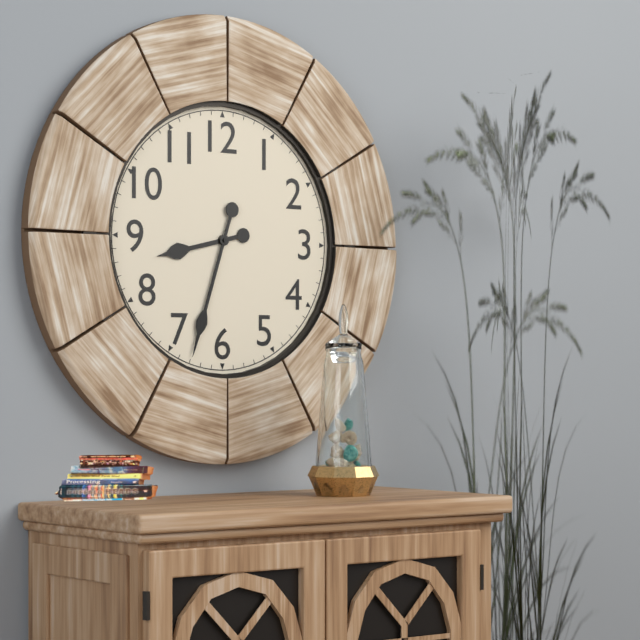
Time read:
**8:33**
